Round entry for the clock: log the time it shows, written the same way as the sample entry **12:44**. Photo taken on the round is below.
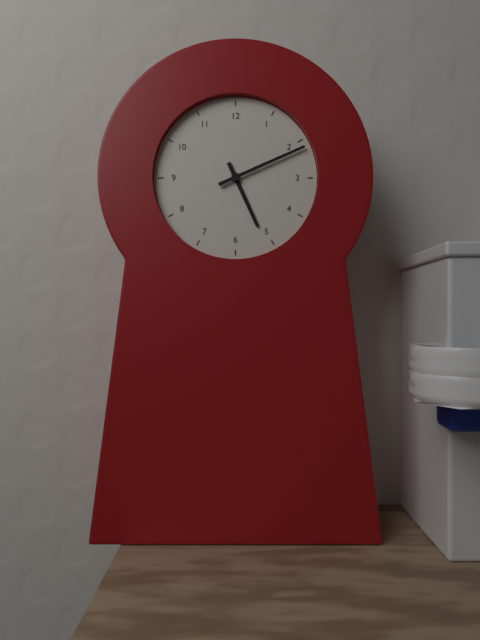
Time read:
**5:11**
